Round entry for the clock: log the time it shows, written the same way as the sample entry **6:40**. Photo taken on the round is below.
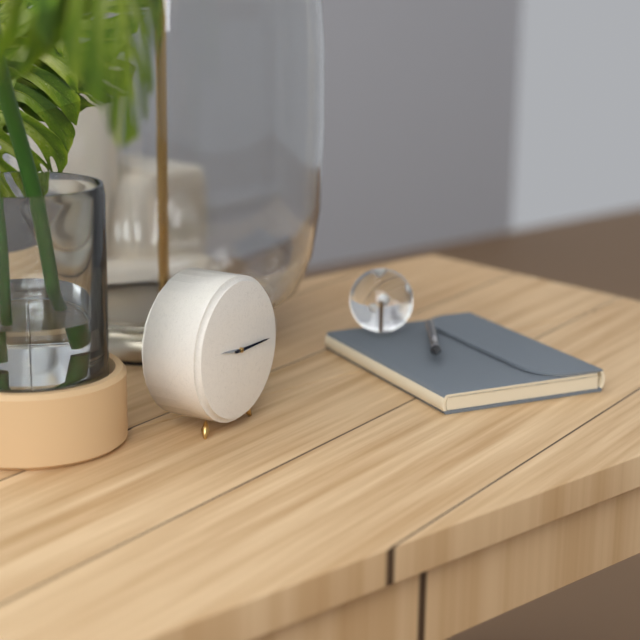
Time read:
**9:15**
